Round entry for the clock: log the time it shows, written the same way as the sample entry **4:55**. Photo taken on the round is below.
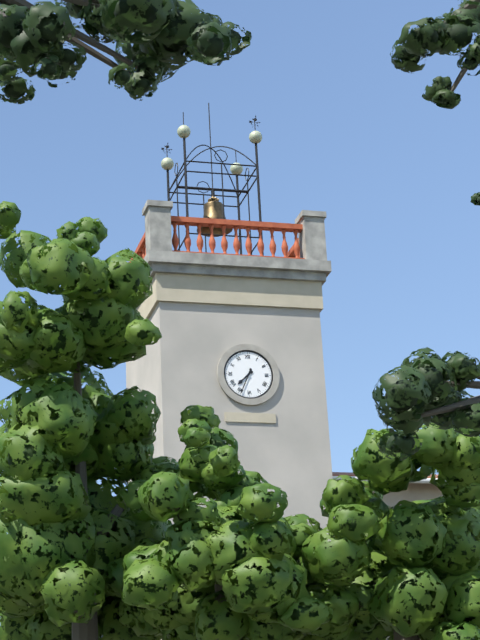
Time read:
**7:34**
